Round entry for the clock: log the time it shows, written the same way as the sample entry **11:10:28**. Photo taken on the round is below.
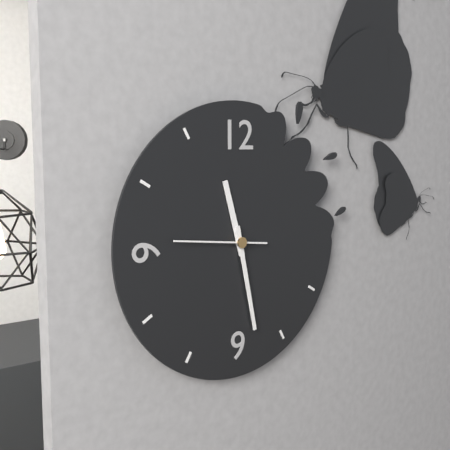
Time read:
**11:28:46**
